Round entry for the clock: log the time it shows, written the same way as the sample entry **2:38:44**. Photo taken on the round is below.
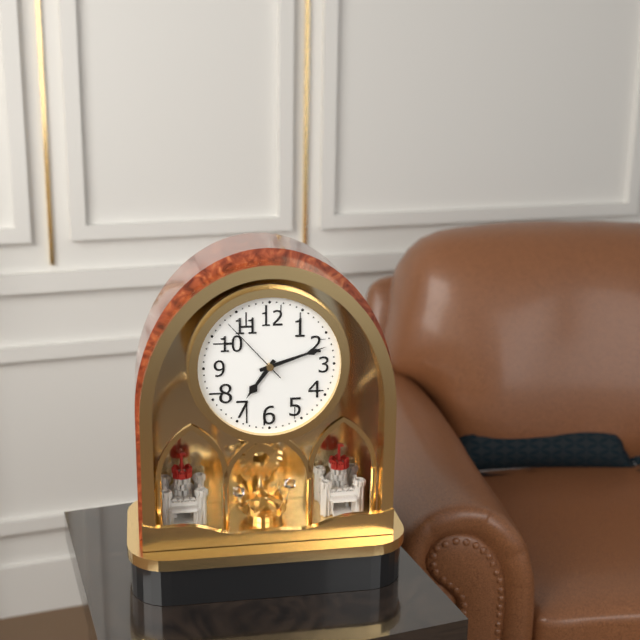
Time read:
**7:12:53**
